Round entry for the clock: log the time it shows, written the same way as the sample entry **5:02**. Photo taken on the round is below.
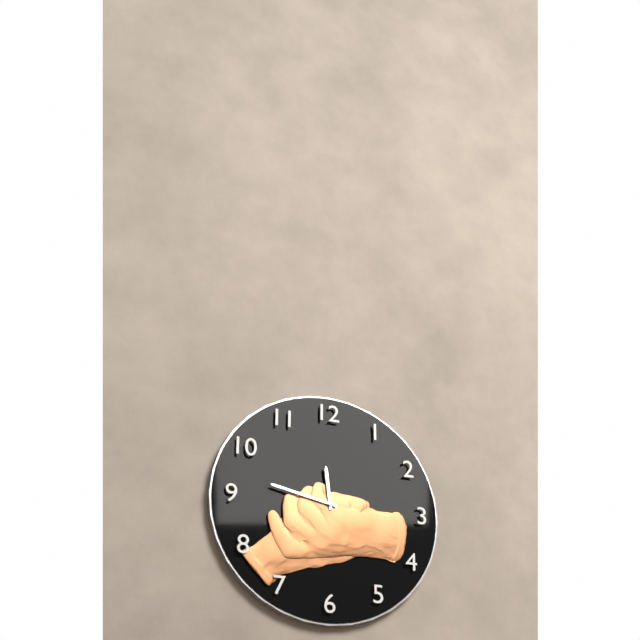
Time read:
**11:47**
